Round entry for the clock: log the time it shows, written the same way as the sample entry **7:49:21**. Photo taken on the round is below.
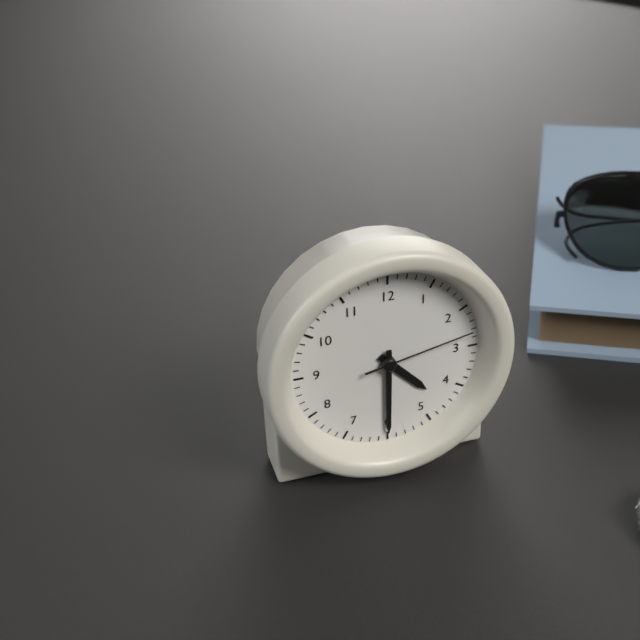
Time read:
**4:30:13**
